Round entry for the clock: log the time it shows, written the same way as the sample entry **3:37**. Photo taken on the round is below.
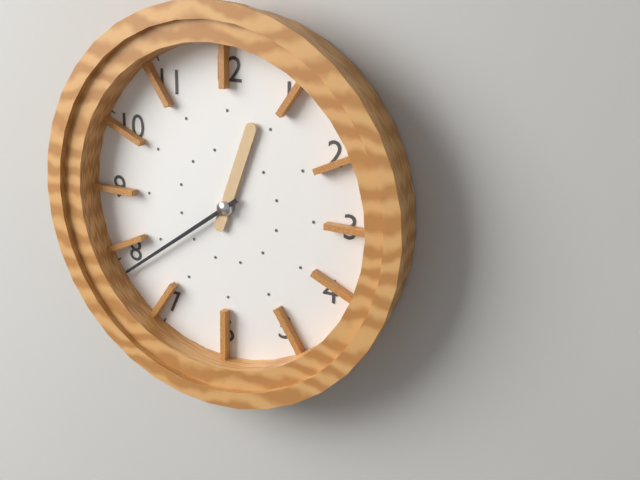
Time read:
**12:39**
